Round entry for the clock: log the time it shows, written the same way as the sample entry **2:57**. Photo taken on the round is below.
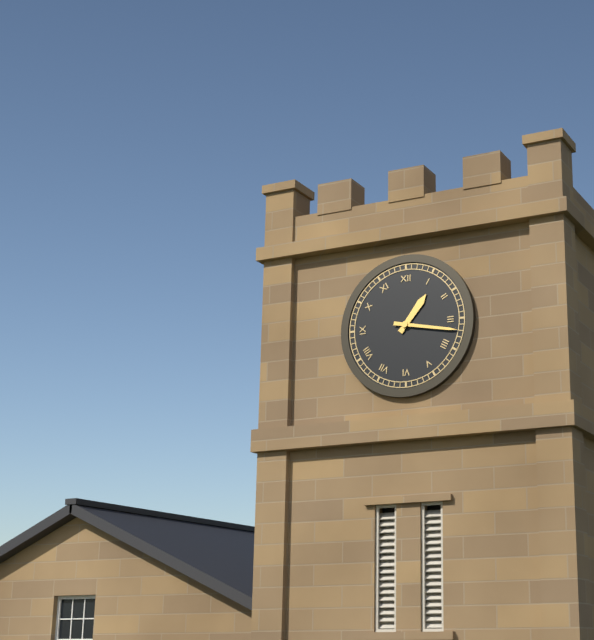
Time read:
**1:17**
